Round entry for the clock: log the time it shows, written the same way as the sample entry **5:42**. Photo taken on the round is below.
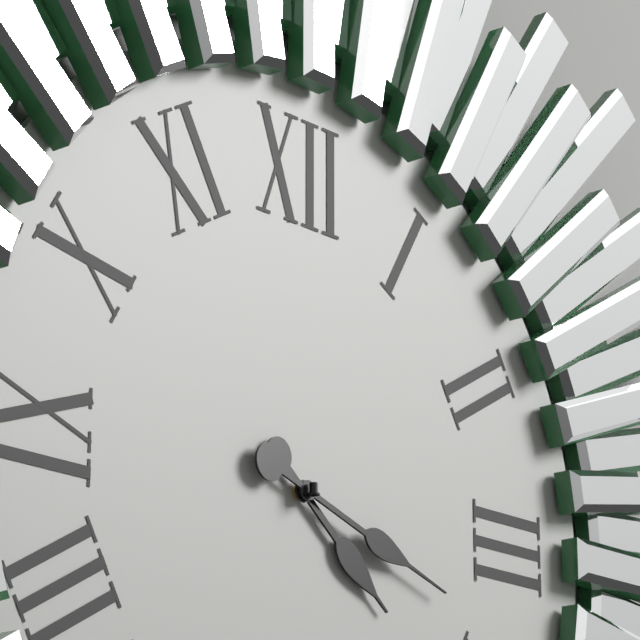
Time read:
**4:18**
